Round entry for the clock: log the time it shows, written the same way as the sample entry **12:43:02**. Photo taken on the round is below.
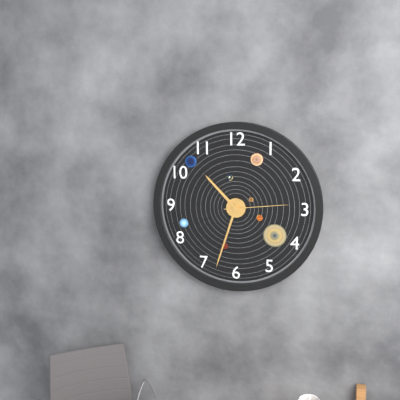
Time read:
**10:33:14**
